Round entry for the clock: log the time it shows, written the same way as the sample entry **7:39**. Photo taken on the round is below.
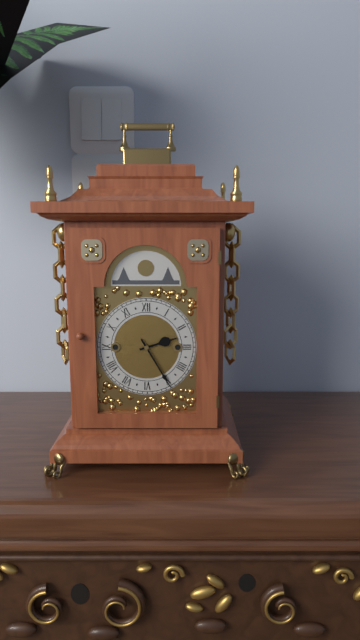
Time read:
**2:25**
